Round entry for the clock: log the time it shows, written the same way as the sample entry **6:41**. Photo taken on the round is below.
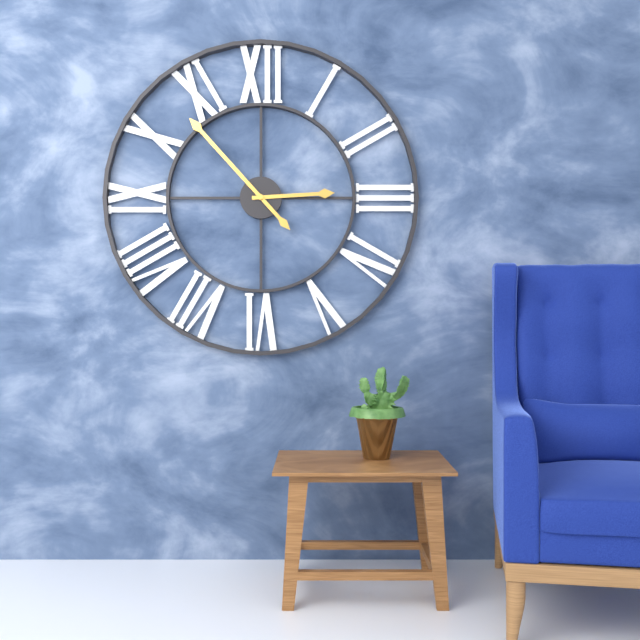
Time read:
**2:53**
